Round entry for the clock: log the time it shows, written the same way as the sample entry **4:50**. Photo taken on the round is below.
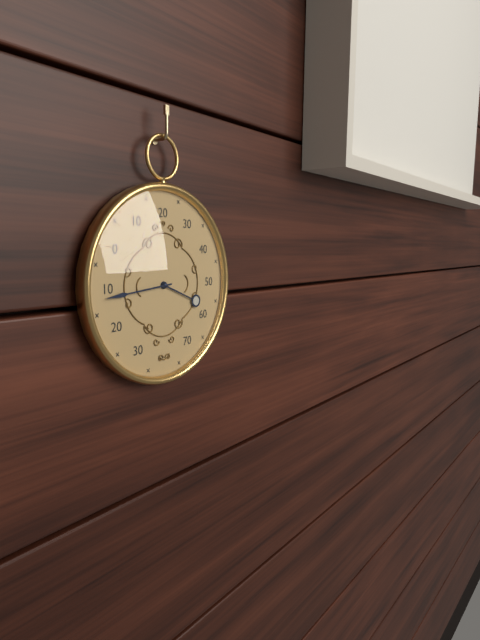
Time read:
**3:44**
